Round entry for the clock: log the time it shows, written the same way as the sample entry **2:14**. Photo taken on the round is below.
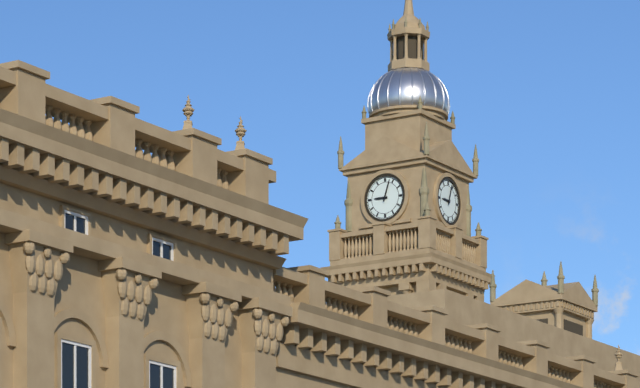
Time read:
**9:03**
